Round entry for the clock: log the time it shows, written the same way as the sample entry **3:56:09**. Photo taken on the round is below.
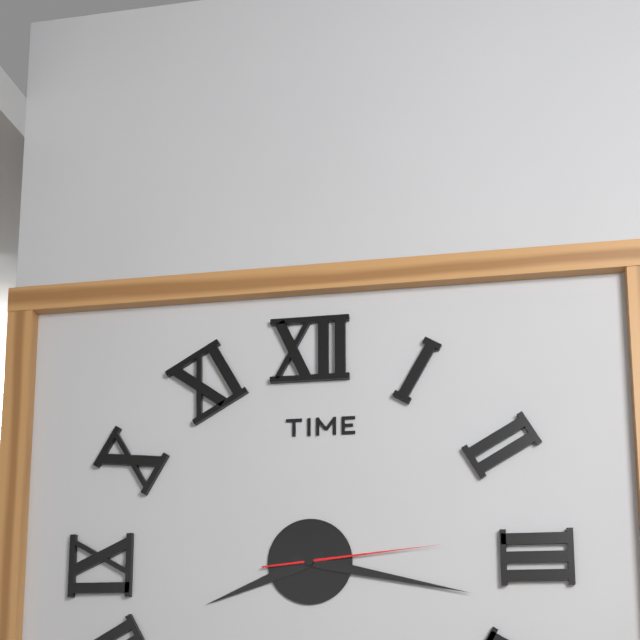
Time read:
**8:17:14**
